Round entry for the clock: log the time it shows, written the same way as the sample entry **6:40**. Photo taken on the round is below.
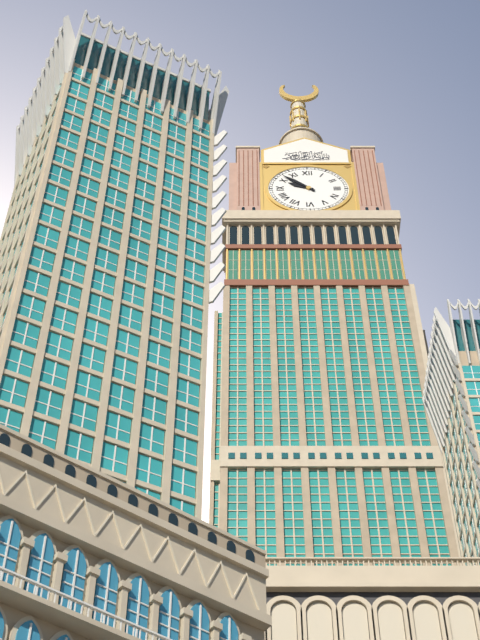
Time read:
**9:52**
